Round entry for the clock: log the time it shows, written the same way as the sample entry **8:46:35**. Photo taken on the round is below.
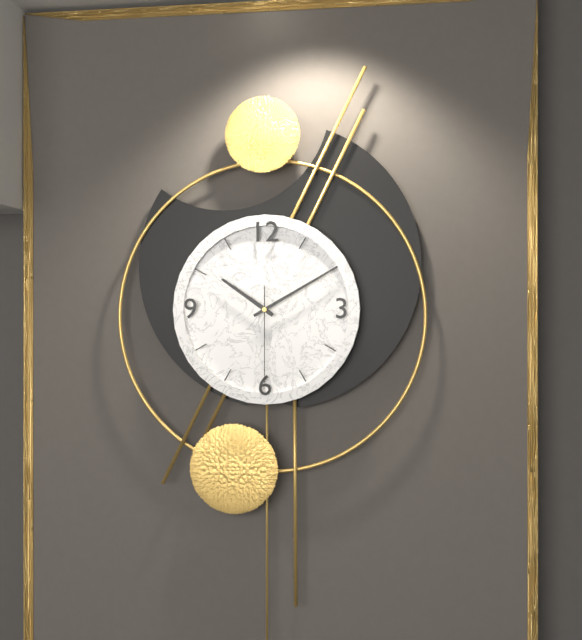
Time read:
**10:10:30**
